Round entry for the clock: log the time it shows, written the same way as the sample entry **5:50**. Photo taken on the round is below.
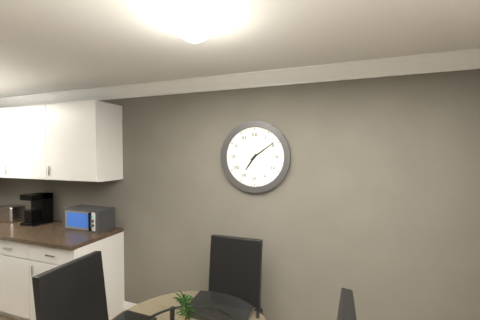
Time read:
**7:09**
